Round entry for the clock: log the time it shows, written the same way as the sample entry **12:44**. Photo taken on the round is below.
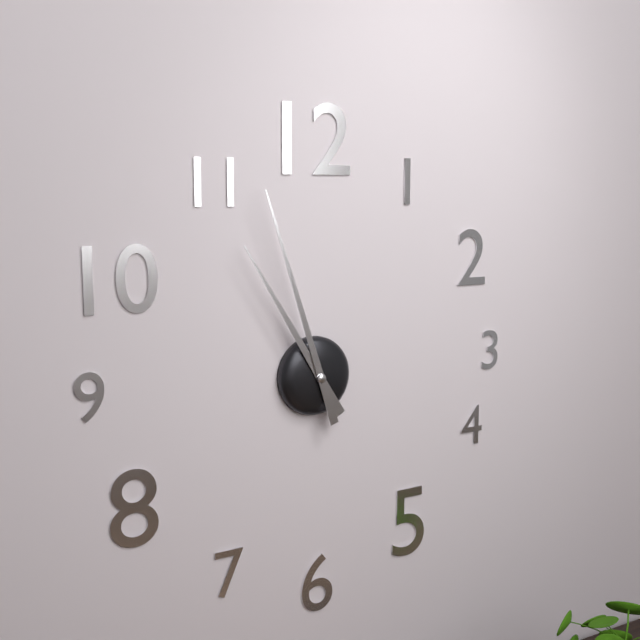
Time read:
**10:57**
